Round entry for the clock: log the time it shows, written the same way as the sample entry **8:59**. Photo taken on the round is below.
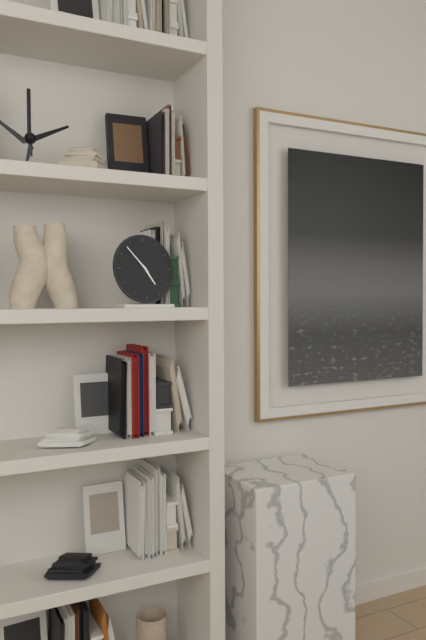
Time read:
**4:53**
